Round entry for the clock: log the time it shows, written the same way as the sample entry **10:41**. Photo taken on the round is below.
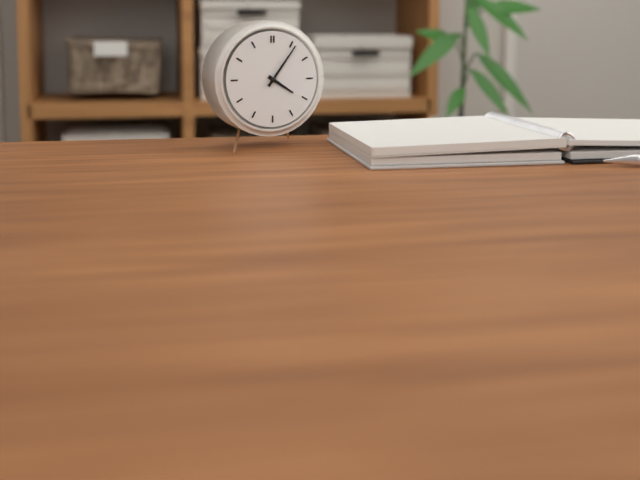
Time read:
**4:06**
